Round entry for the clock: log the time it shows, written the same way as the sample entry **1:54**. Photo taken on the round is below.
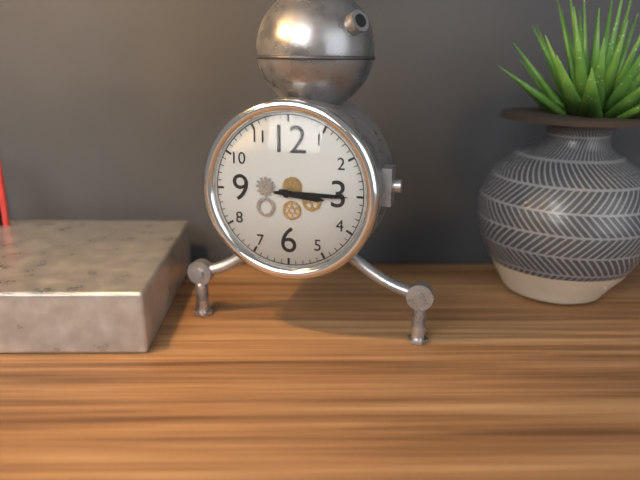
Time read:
**3:15**
